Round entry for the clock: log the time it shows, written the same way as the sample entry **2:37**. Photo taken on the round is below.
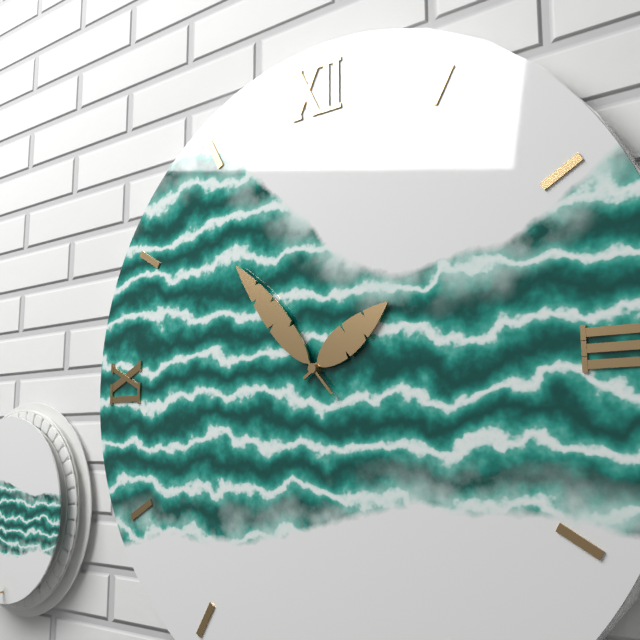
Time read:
**1:53**
